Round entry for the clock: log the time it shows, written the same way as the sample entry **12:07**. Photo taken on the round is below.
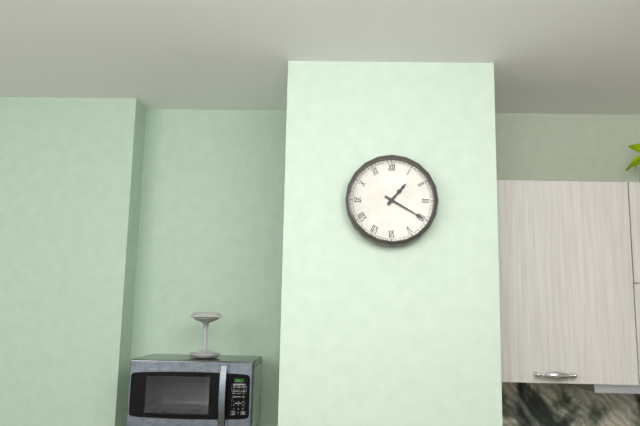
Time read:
**1:20**
